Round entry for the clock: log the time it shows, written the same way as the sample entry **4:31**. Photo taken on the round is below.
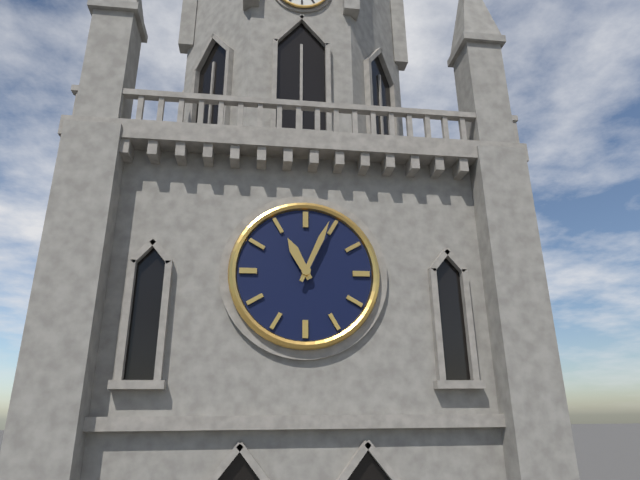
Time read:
**11:04**
